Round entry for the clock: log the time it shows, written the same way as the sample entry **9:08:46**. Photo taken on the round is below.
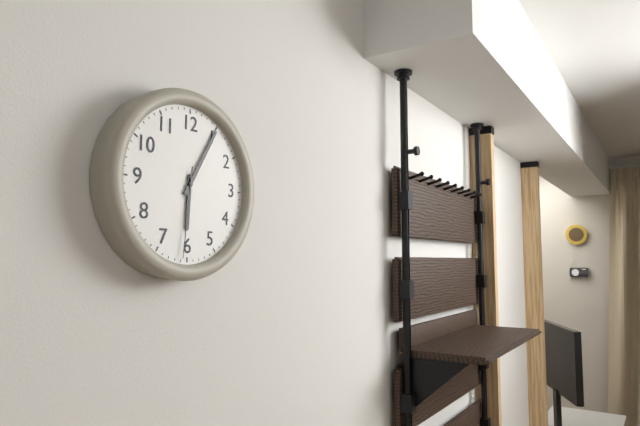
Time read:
**6:05:31**
